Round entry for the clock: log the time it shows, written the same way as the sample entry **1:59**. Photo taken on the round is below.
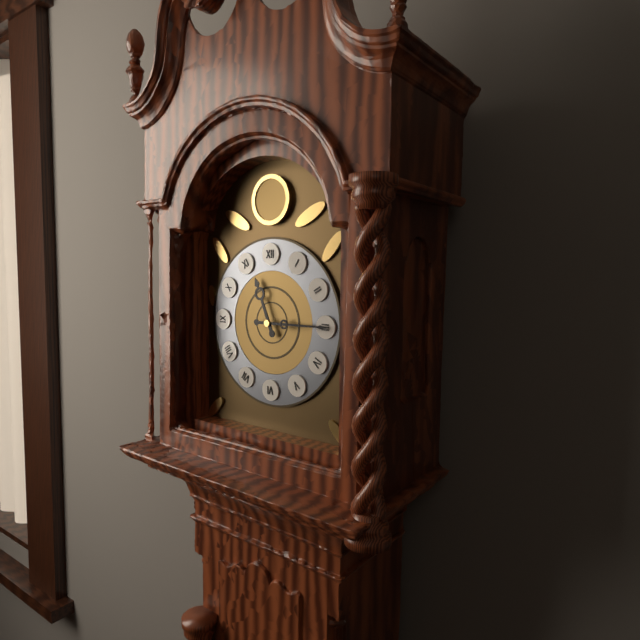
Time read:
**11:15**
